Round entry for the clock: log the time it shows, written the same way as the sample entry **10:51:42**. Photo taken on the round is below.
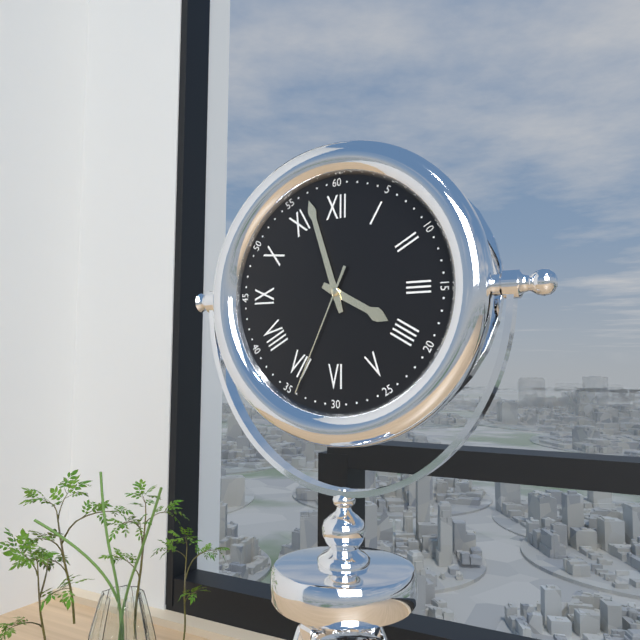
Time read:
**3:57:34**
